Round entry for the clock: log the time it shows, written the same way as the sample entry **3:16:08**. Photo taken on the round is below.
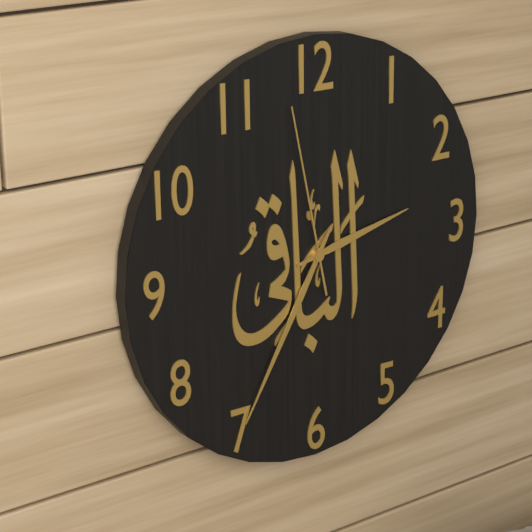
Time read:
**2:35:58**
